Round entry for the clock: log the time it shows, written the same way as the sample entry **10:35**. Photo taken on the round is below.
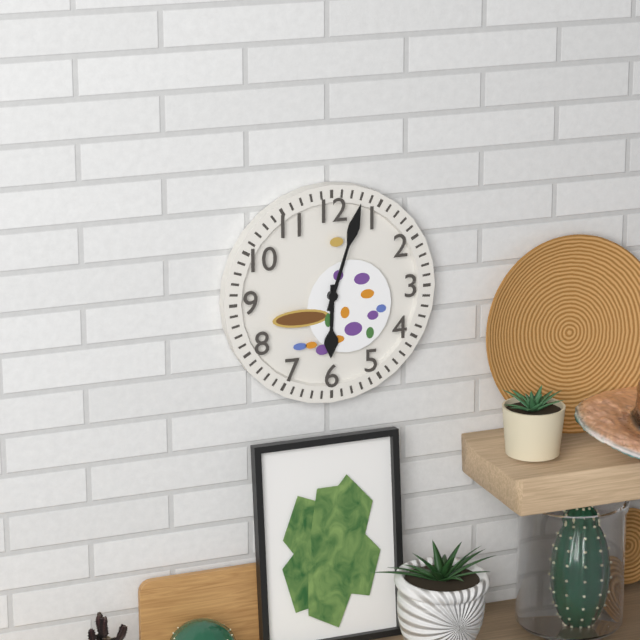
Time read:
**6:03**
